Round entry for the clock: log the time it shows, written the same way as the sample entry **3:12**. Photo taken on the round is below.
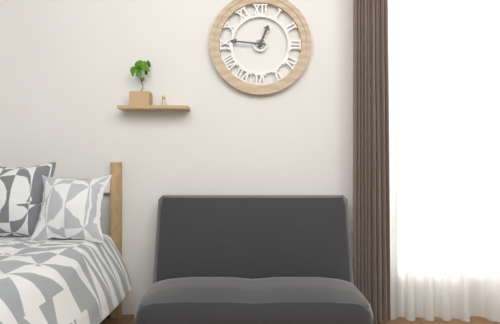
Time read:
**12:46**
